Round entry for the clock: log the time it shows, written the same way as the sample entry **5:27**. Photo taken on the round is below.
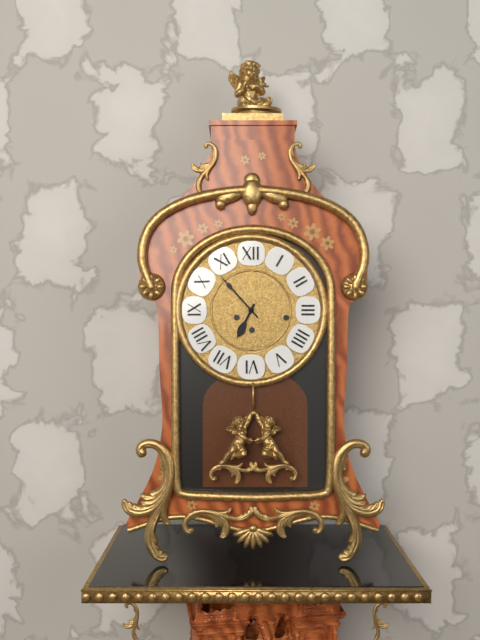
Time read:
**6:53**
